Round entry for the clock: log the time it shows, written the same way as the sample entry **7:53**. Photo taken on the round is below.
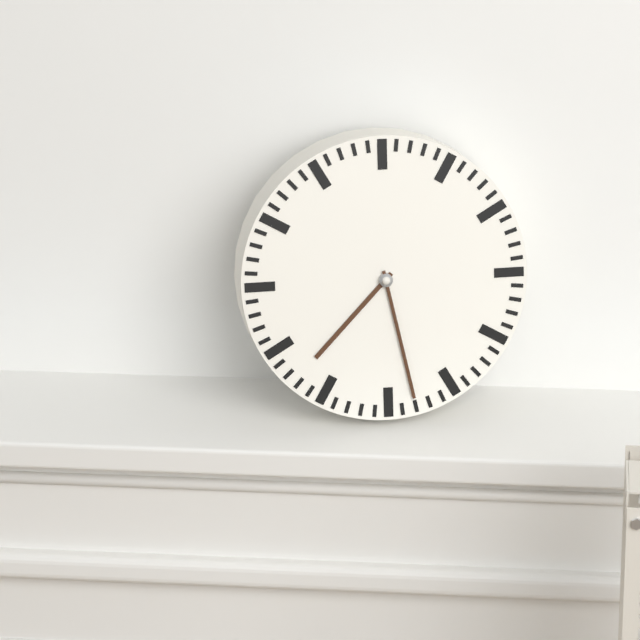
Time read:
**7:28**
